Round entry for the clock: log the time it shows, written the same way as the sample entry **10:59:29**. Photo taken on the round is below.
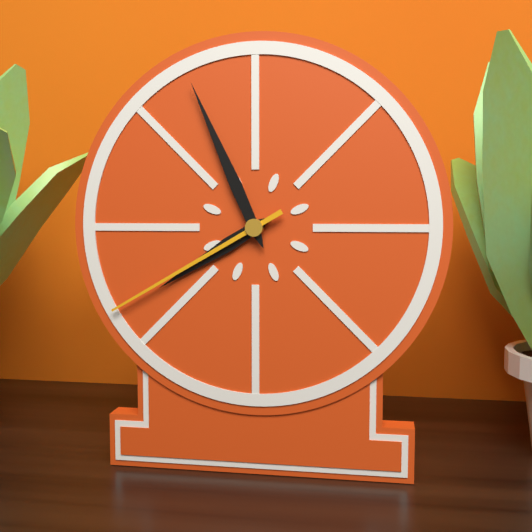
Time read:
**7:56:40**
